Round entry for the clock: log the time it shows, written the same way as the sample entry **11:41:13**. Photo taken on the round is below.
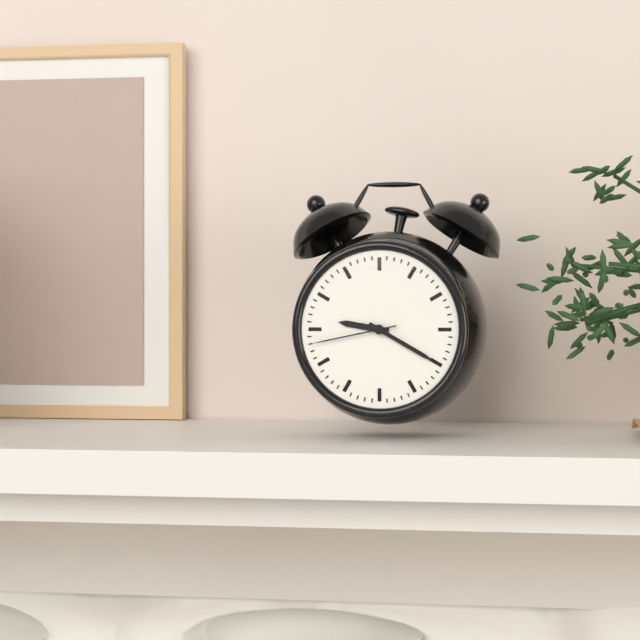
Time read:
**9:20:43**
